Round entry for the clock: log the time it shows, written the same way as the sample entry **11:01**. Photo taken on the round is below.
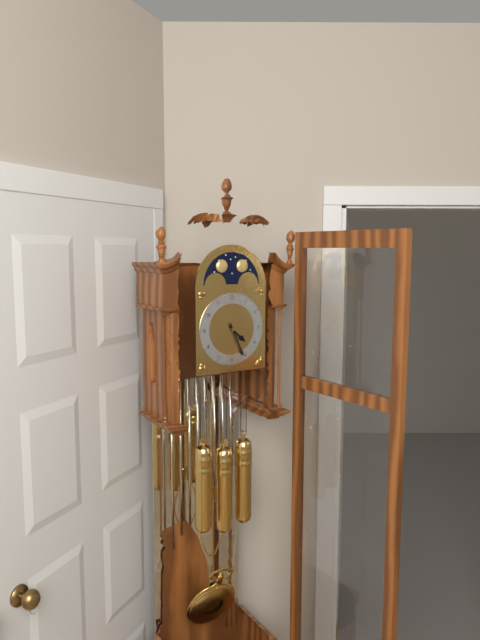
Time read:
**4:26**
